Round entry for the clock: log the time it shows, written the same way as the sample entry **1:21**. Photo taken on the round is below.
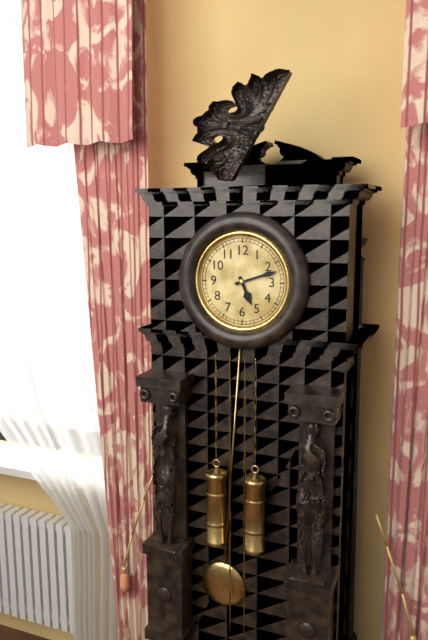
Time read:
**5:12**
